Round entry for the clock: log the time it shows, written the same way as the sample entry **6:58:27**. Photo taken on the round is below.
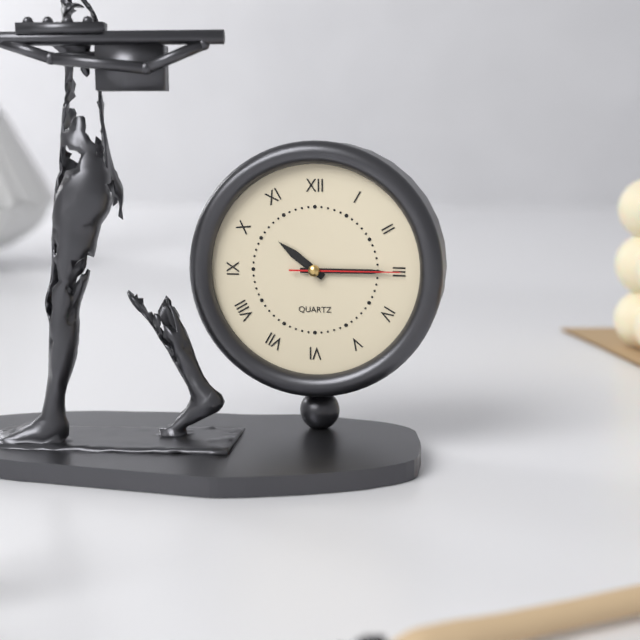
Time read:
**10:15:15**
